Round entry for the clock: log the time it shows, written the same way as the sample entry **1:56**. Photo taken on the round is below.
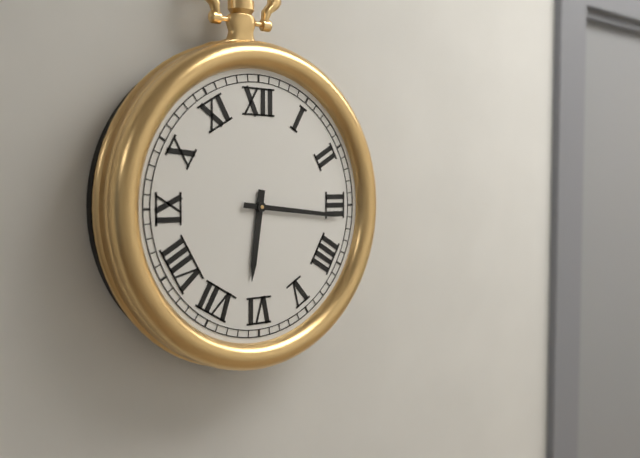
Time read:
**6:16**
